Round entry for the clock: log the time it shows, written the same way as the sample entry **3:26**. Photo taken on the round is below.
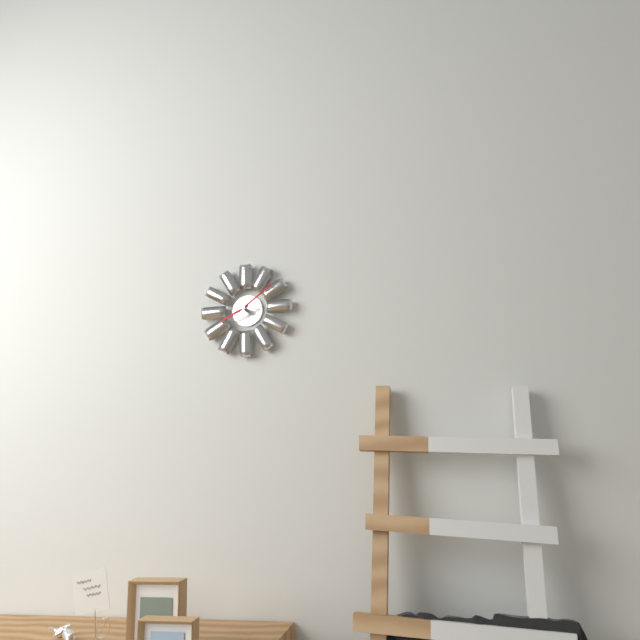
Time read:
**8:09**
